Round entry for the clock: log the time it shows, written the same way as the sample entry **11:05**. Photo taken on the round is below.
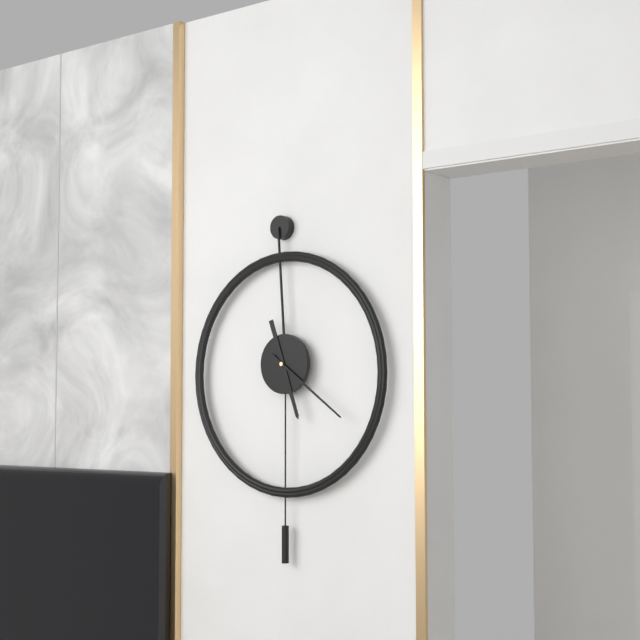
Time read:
**5:21**
